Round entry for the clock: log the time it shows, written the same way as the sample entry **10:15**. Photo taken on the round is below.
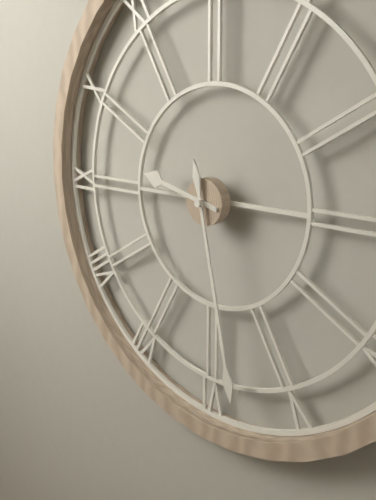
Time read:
**9:28**
